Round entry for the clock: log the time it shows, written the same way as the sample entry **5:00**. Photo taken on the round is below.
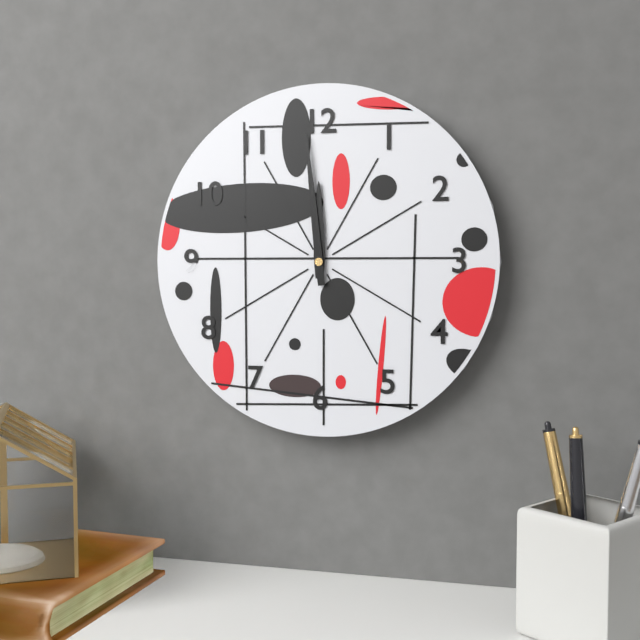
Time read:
**11:59**
